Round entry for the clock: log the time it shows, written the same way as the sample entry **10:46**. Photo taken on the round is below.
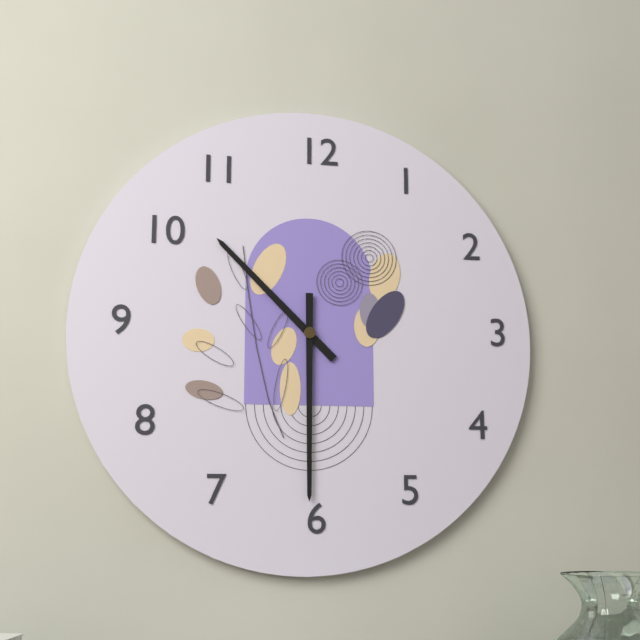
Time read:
**10:30**
